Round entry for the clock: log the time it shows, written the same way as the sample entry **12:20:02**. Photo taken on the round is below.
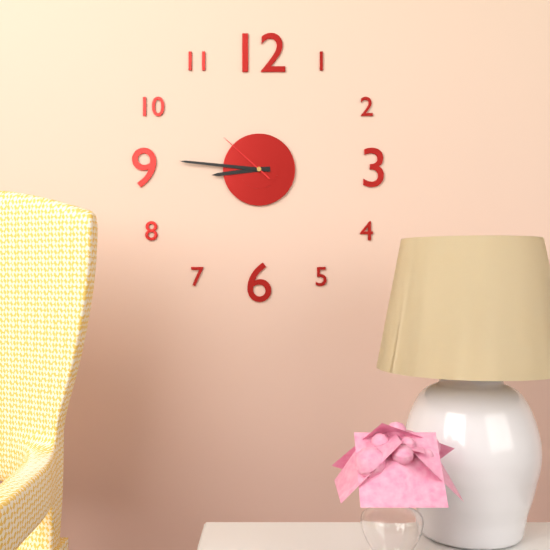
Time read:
**8:46:52**
